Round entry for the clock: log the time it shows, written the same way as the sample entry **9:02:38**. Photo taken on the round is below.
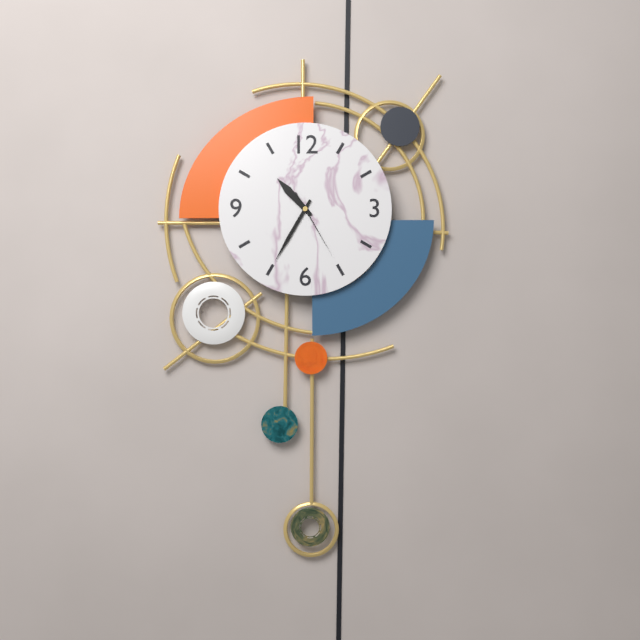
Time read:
**10:35:25**
